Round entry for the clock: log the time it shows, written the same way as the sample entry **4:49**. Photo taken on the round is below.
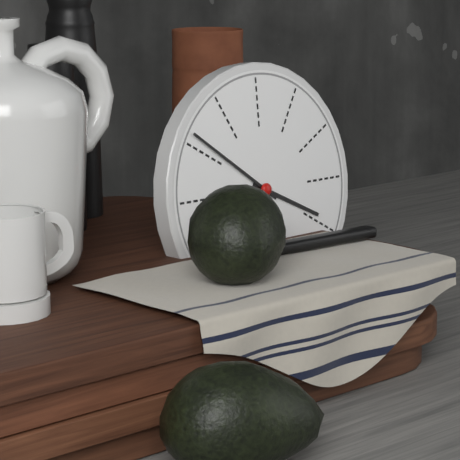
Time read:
**3:51**
